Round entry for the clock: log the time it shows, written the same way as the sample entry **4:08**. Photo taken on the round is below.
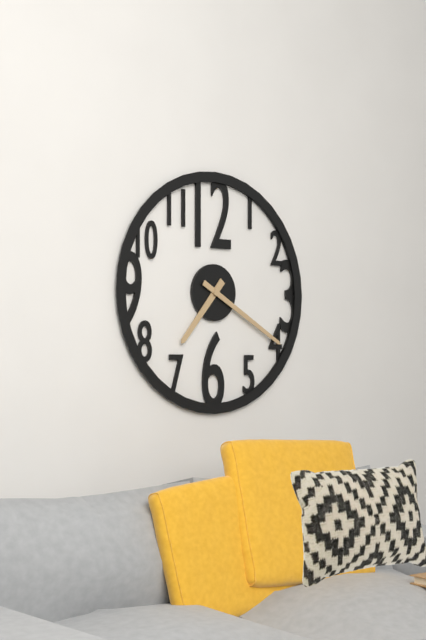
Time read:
**7:20**
